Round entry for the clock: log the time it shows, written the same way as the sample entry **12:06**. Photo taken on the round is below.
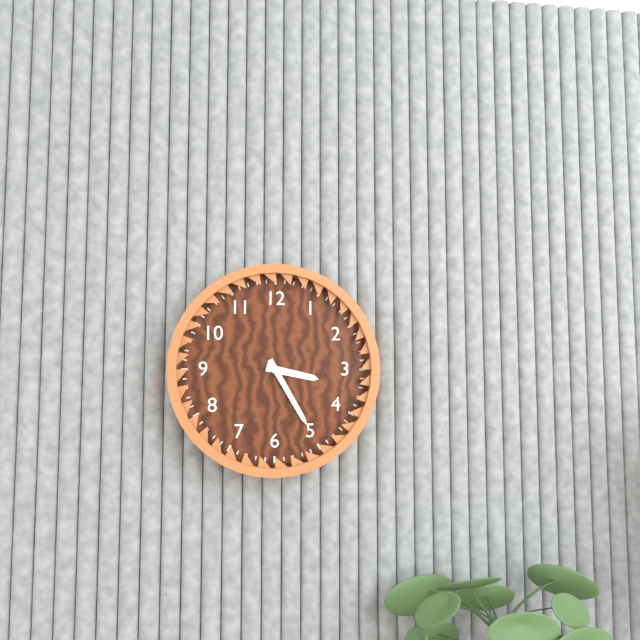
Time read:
**3:25**
